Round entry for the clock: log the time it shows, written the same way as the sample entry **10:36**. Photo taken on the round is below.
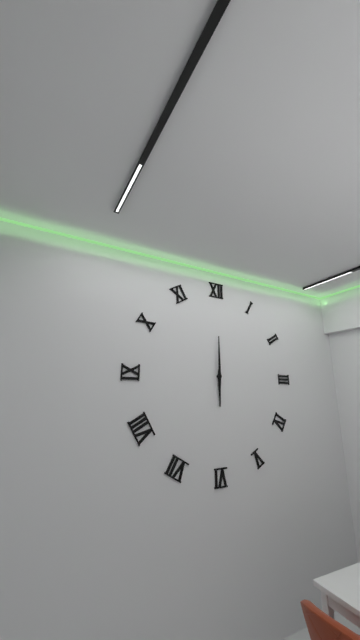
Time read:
**6:00**
